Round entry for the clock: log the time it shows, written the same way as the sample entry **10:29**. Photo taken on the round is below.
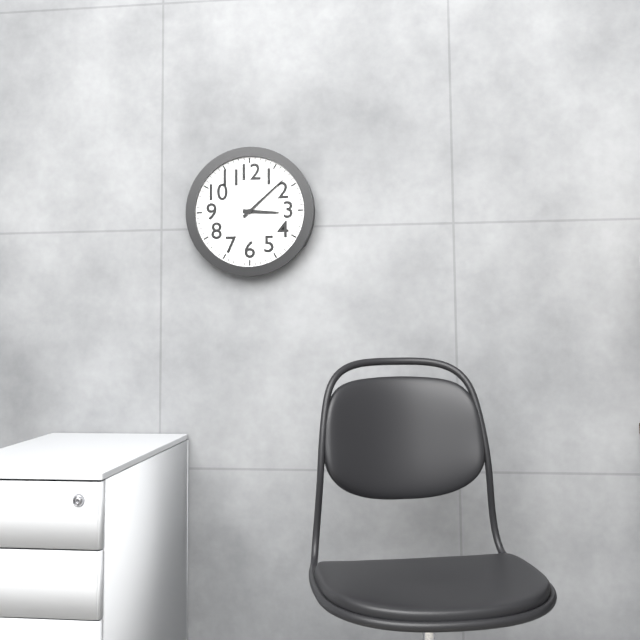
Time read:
**3:08**
